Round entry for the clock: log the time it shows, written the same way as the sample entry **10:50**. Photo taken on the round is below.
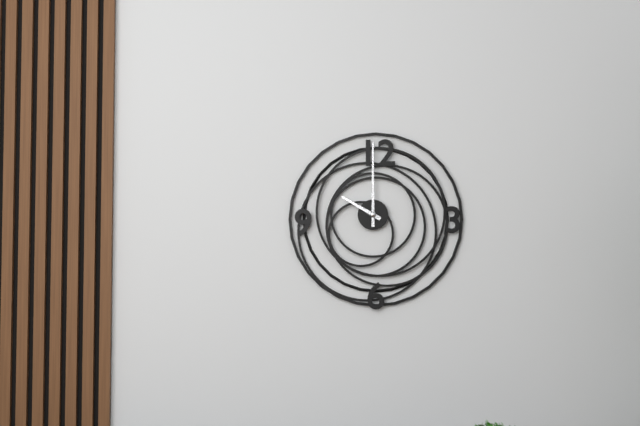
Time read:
**10:00**
